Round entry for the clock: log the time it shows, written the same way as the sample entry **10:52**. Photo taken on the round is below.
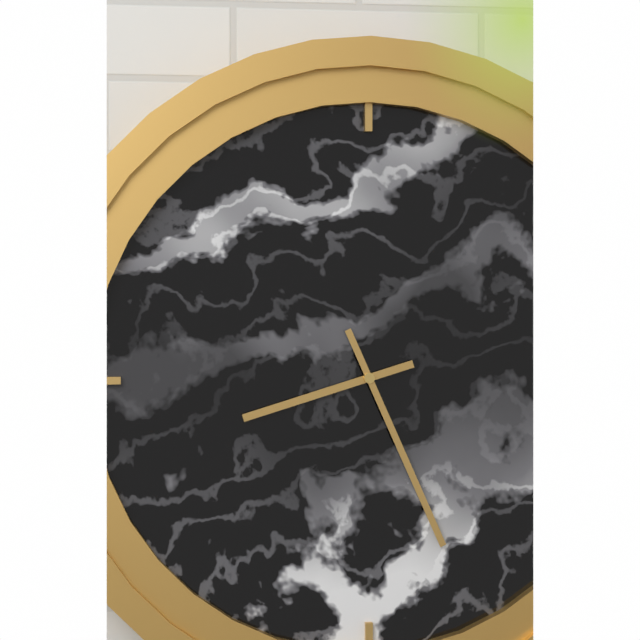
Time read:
**8:26**
